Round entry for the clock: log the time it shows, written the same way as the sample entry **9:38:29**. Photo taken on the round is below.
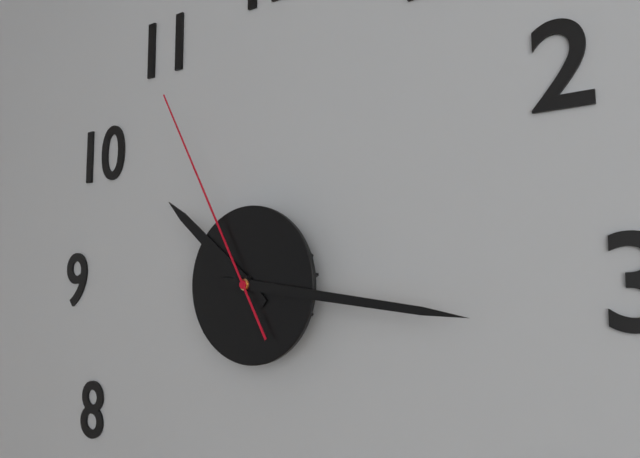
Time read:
**10:16:55**
